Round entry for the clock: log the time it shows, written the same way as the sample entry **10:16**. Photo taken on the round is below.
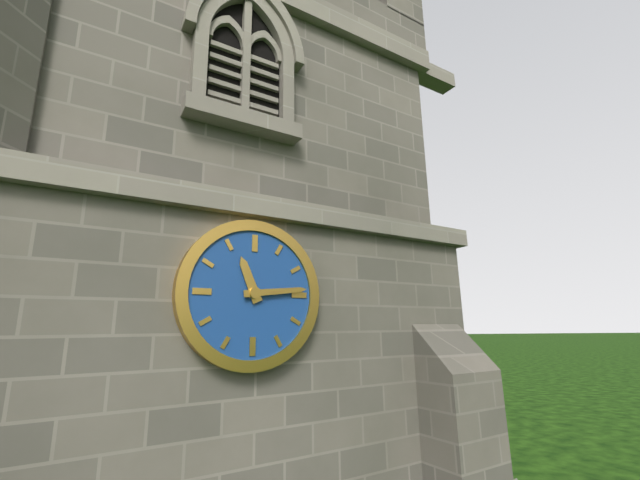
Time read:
**11:14**
